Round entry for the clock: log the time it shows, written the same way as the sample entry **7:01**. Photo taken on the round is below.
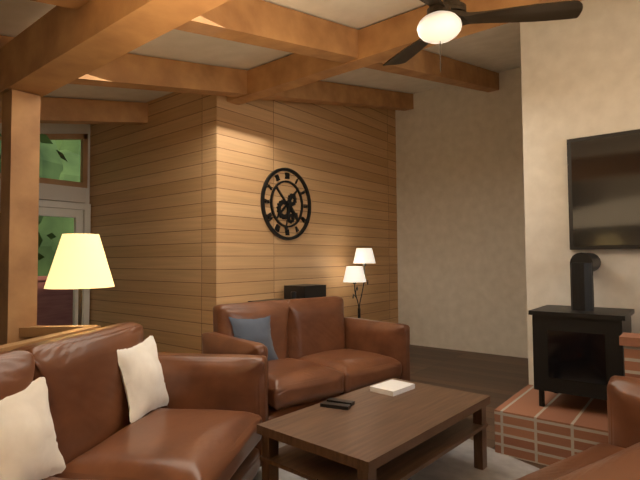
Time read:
**4:32**
